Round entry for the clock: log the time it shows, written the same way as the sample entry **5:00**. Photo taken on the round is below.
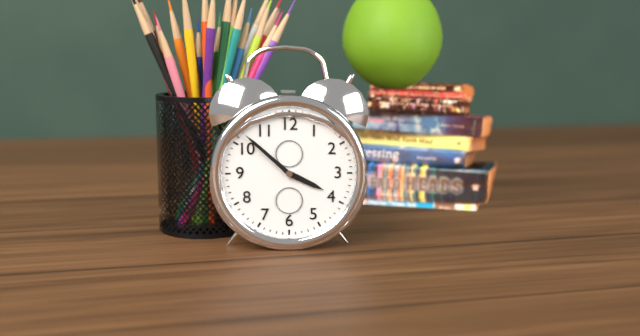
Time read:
**3:52**
